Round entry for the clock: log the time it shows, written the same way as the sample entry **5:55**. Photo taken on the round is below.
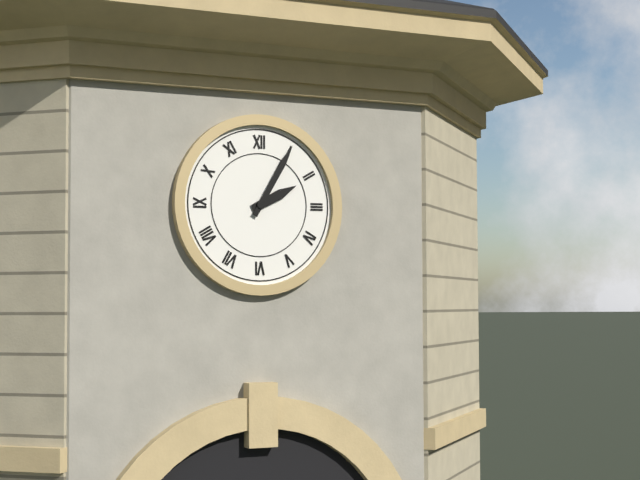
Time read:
**2:05**
